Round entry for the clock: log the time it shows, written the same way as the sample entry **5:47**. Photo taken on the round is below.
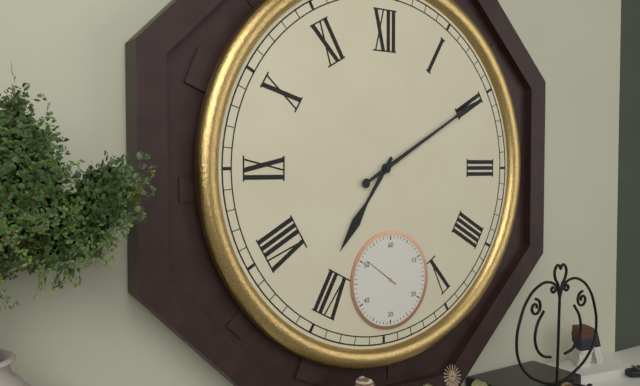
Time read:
**7:10**
